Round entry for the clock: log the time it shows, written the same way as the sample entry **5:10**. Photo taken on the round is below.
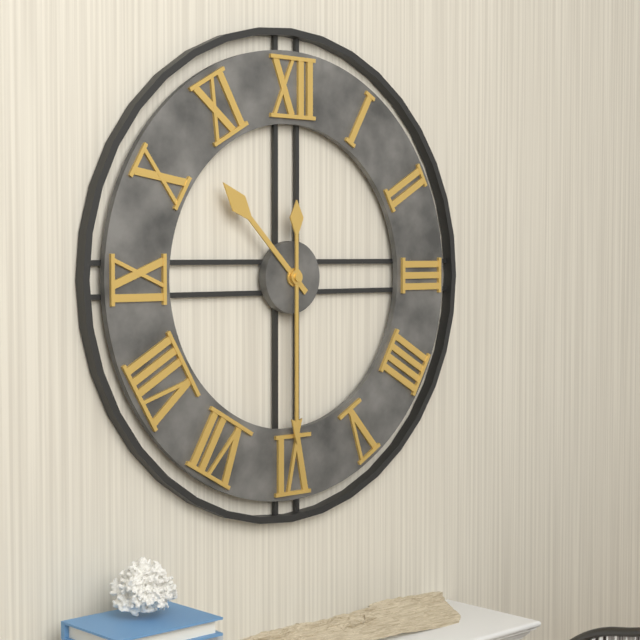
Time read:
**10:30**
